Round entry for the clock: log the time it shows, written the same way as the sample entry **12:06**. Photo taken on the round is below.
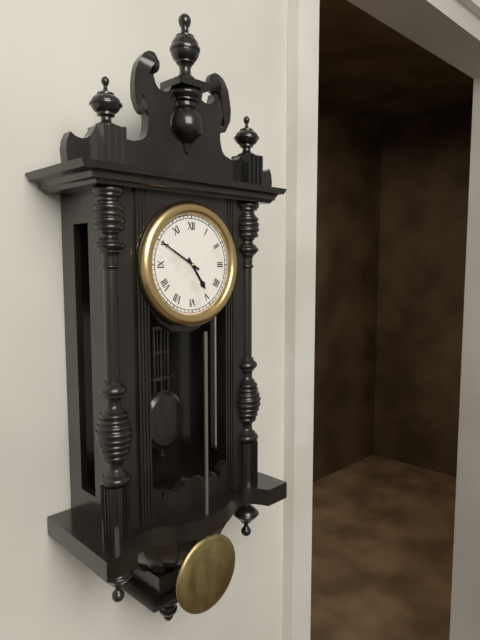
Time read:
**4:50**
